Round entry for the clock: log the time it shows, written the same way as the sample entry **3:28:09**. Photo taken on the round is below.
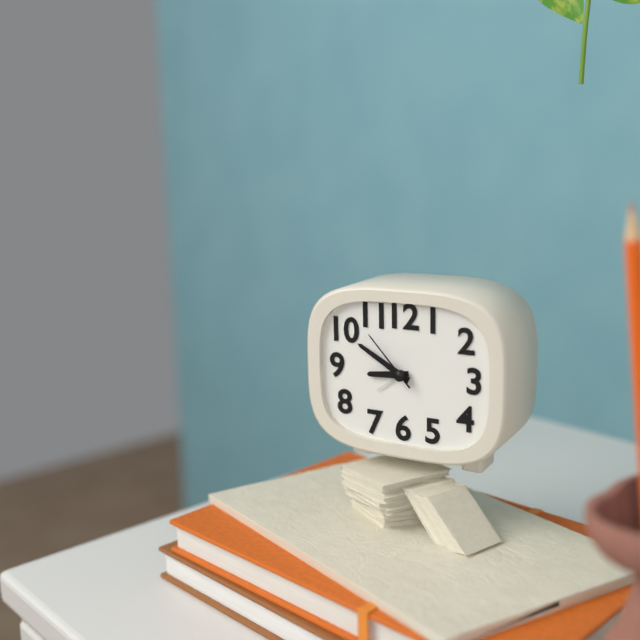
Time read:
**8:50:53**
